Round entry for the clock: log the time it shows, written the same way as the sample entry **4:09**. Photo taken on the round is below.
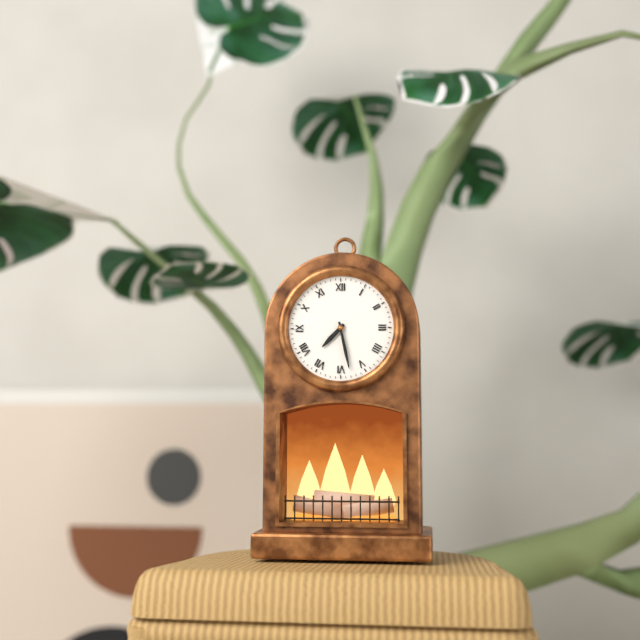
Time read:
**7:28**
